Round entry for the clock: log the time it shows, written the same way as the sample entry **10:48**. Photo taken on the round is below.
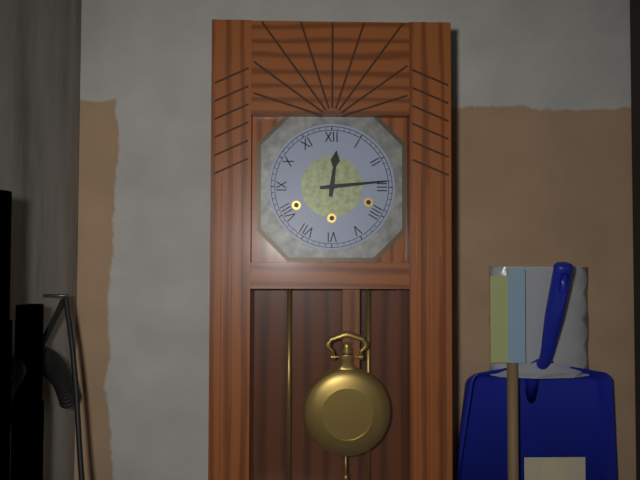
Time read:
**12:14**
